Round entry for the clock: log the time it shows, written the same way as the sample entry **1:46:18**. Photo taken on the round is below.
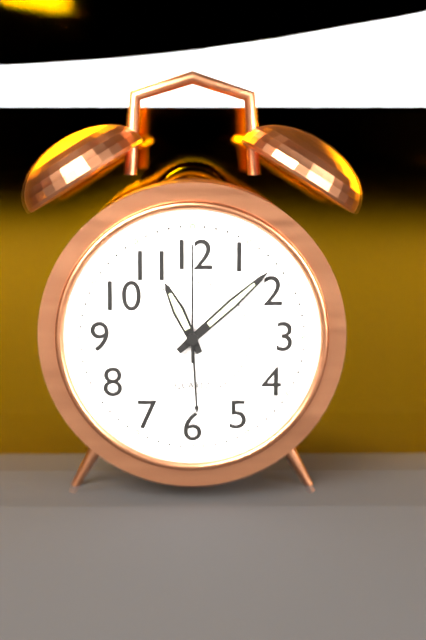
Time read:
**11:08:00**
